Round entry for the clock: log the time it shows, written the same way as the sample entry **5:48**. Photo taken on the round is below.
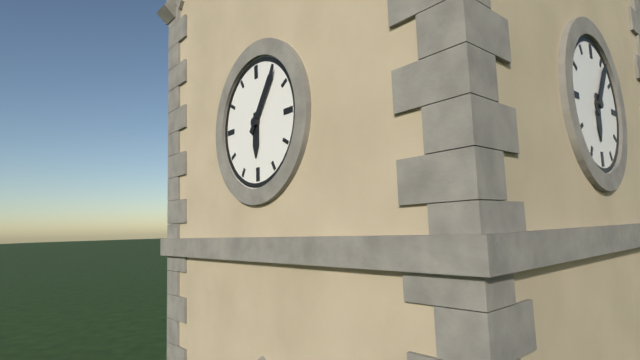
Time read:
**6:06**
